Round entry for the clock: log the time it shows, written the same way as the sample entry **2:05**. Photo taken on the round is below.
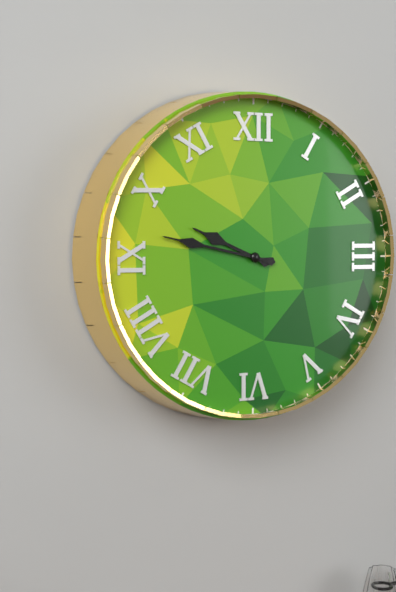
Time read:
**9:47**
